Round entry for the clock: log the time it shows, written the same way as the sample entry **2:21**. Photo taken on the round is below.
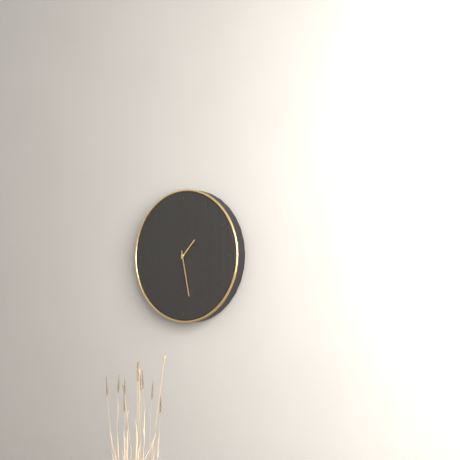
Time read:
**1:28**
